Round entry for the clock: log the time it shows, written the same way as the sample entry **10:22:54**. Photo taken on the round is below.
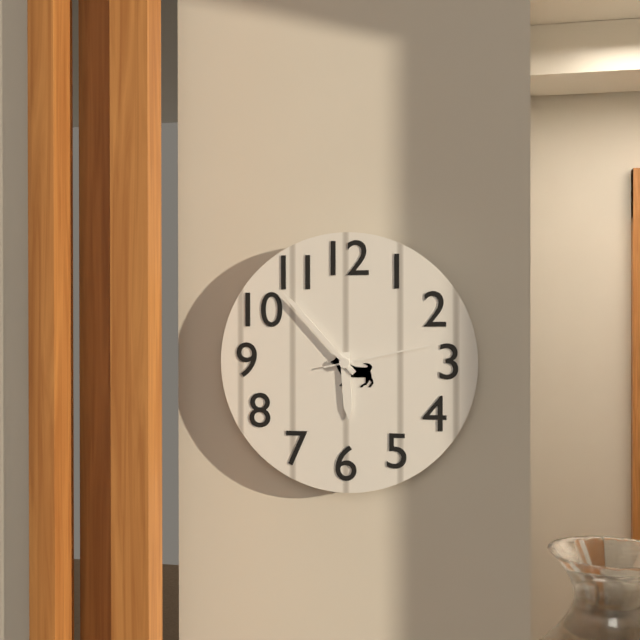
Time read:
**5:53:13**
